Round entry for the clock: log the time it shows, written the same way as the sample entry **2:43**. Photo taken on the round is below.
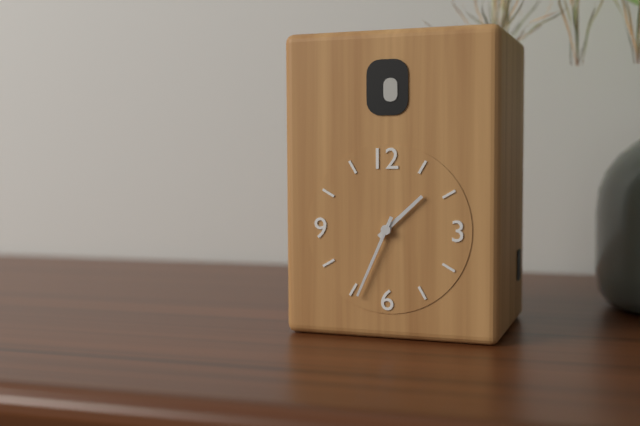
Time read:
**1:34**
